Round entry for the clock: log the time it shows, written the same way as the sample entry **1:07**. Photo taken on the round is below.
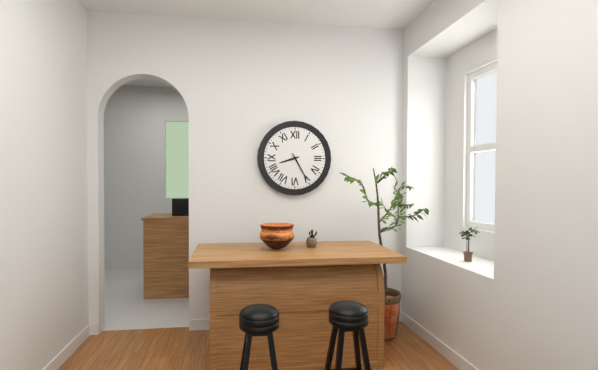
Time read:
**8:25**
